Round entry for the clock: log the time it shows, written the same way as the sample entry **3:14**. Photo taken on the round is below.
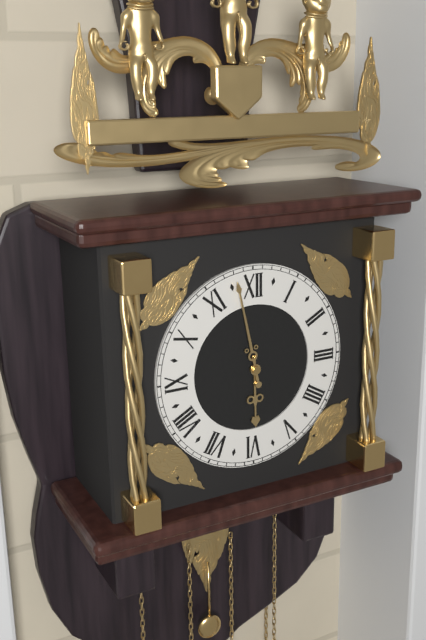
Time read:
**5:58**
